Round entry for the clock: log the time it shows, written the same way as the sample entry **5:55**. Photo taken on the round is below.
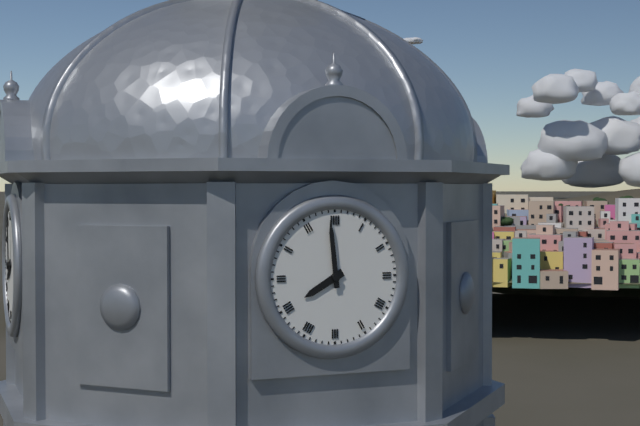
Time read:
**7:59**
